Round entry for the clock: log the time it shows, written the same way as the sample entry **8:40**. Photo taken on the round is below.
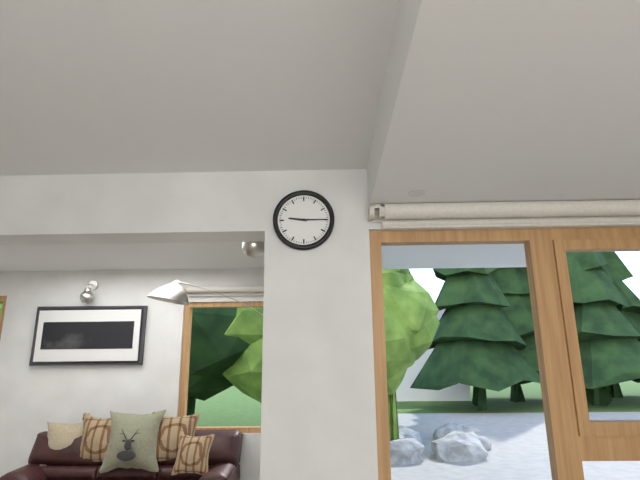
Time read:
**9:15**
